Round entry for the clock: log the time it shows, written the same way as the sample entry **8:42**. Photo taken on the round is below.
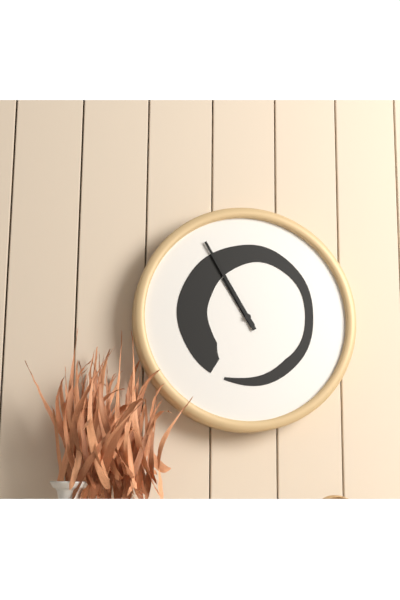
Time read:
**10:55**
